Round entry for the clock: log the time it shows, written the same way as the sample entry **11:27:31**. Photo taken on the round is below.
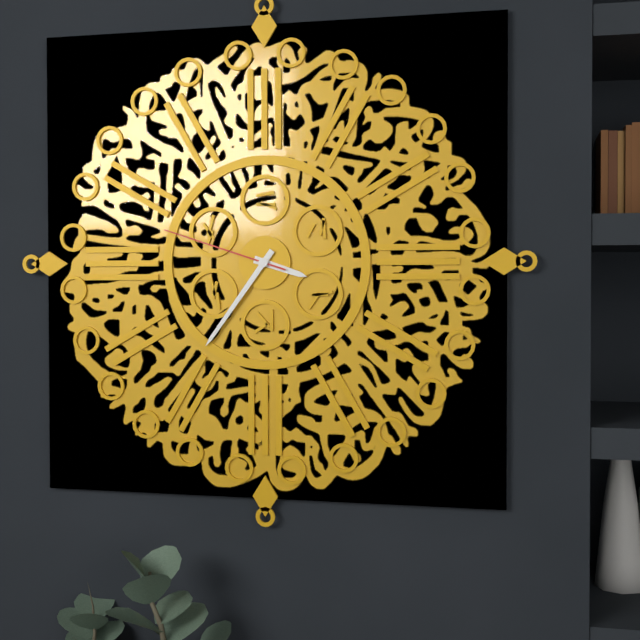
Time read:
**3:36:48**
